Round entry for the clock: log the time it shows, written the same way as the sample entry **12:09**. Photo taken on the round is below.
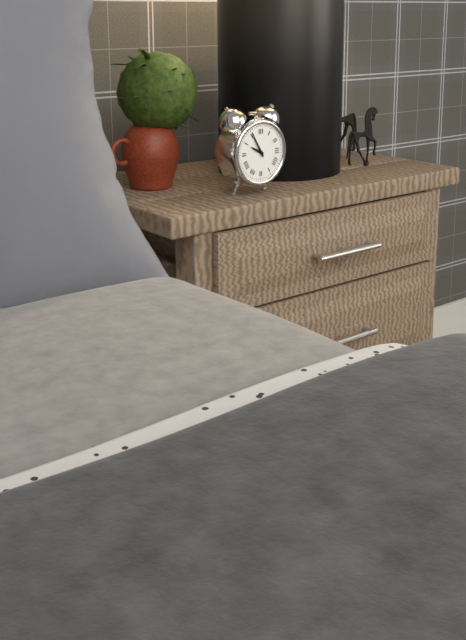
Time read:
**9:55**
